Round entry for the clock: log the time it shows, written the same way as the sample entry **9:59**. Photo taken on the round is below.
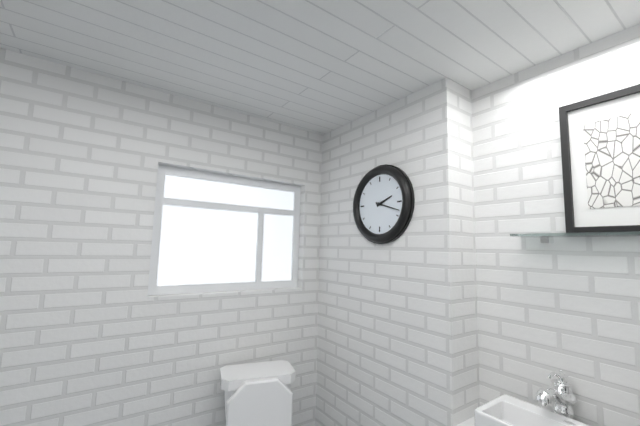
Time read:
**2:18**
